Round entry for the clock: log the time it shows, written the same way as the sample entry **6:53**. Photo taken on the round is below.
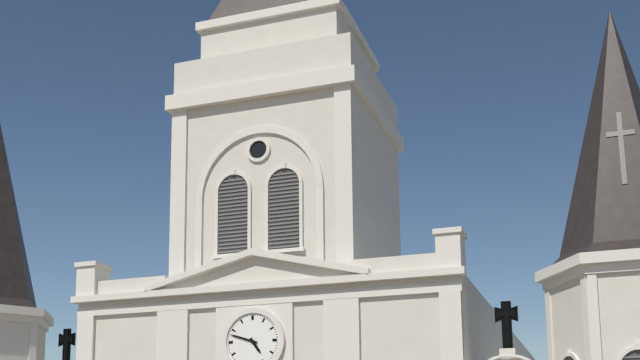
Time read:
**4:48**
